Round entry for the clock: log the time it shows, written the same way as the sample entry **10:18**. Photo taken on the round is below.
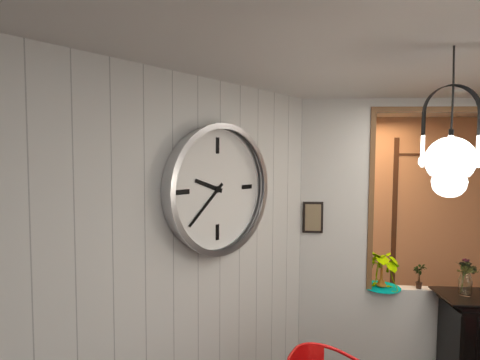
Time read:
**9:38**
